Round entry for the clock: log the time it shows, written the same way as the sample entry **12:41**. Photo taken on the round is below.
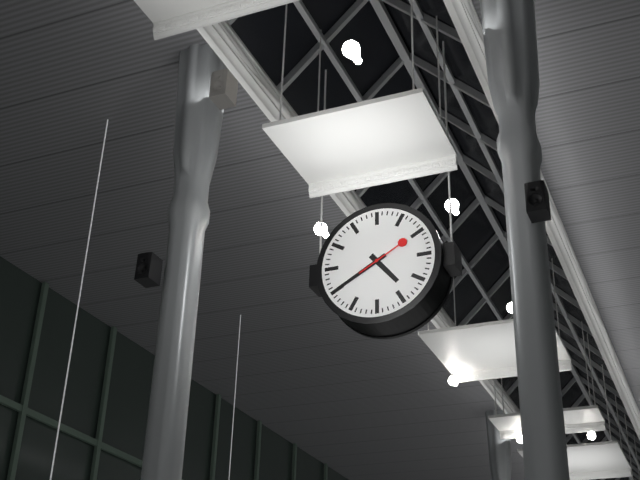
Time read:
**4:40**
